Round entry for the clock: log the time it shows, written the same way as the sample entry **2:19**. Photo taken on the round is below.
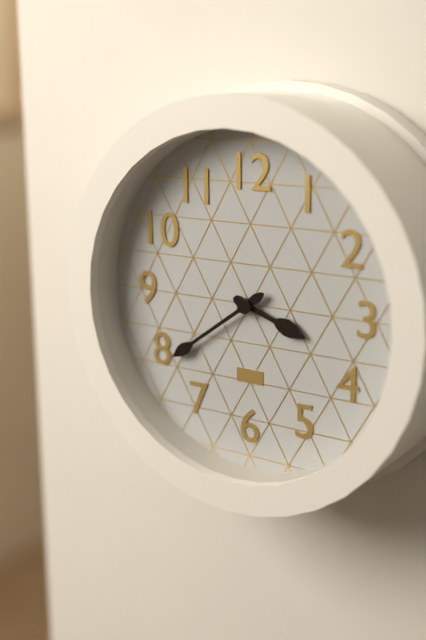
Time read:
**3:39**
